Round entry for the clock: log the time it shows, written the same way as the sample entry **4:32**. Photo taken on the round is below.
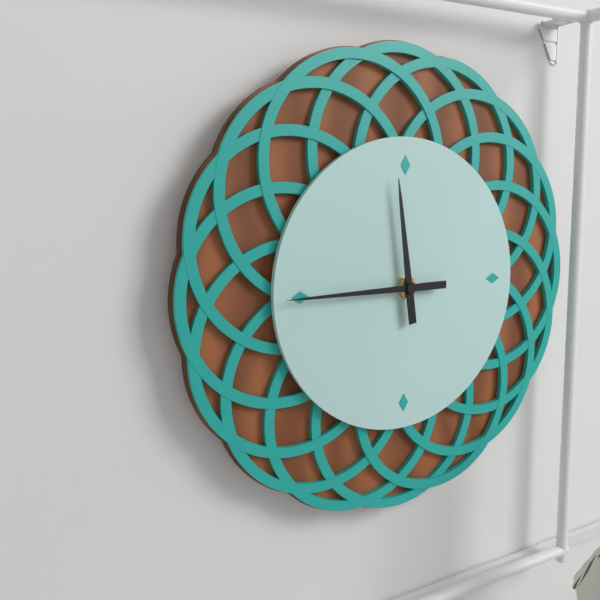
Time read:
**11:45**
